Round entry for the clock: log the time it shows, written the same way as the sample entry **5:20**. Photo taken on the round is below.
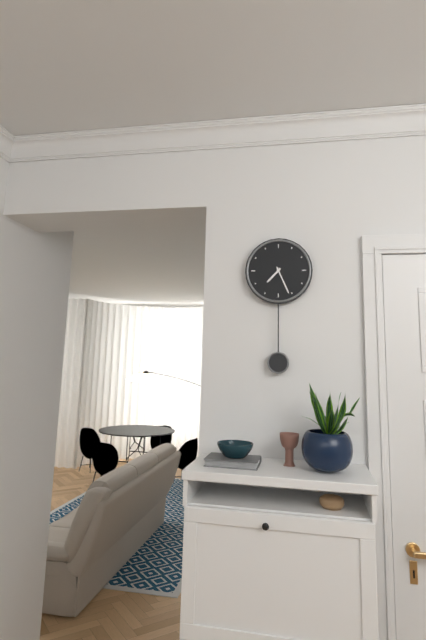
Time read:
**7:26**
